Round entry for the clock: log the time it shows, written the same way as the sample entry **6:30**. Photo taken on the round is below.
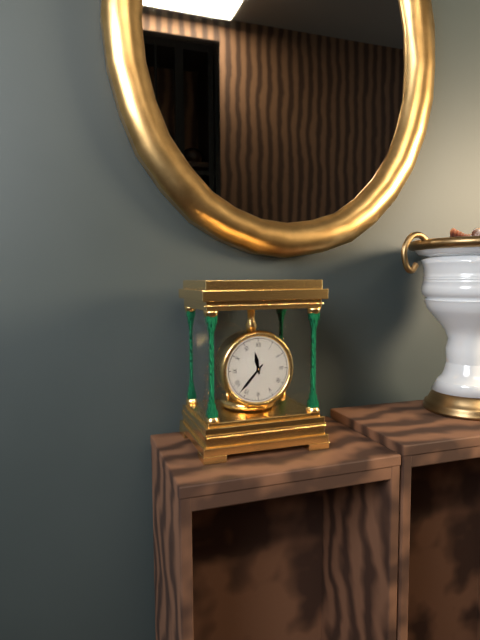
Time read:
**11:37**
